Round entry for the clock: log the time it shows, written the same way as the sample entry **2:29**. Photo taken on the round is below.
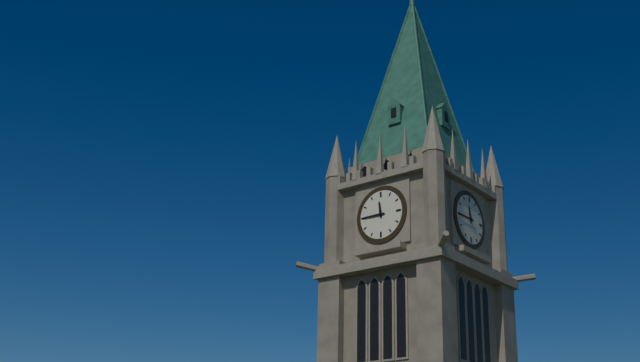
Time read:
**11:45**
